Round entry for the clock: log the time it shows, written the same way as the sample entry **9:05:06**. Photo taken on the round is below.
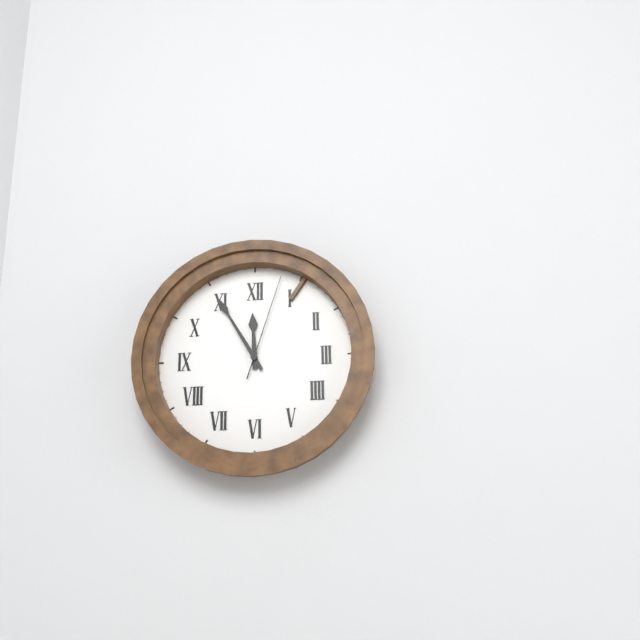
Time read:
**11:55:03**
